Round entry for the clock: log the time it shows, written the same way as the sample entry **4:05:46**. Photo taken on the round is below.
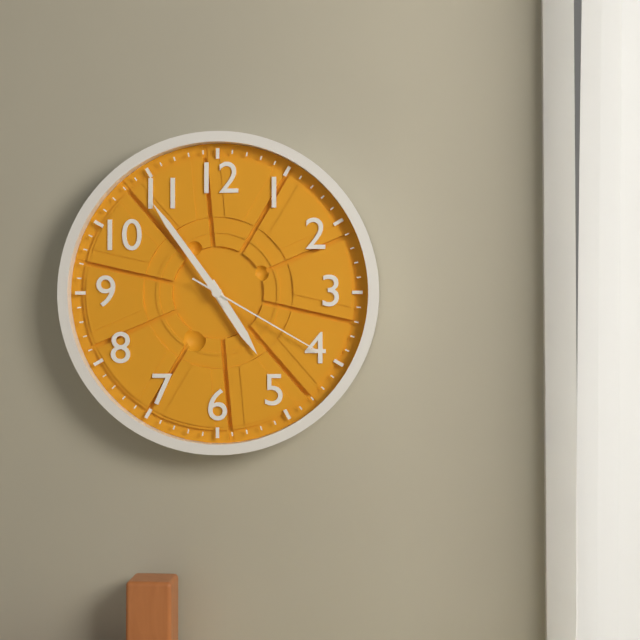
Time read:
**4:54:20**
